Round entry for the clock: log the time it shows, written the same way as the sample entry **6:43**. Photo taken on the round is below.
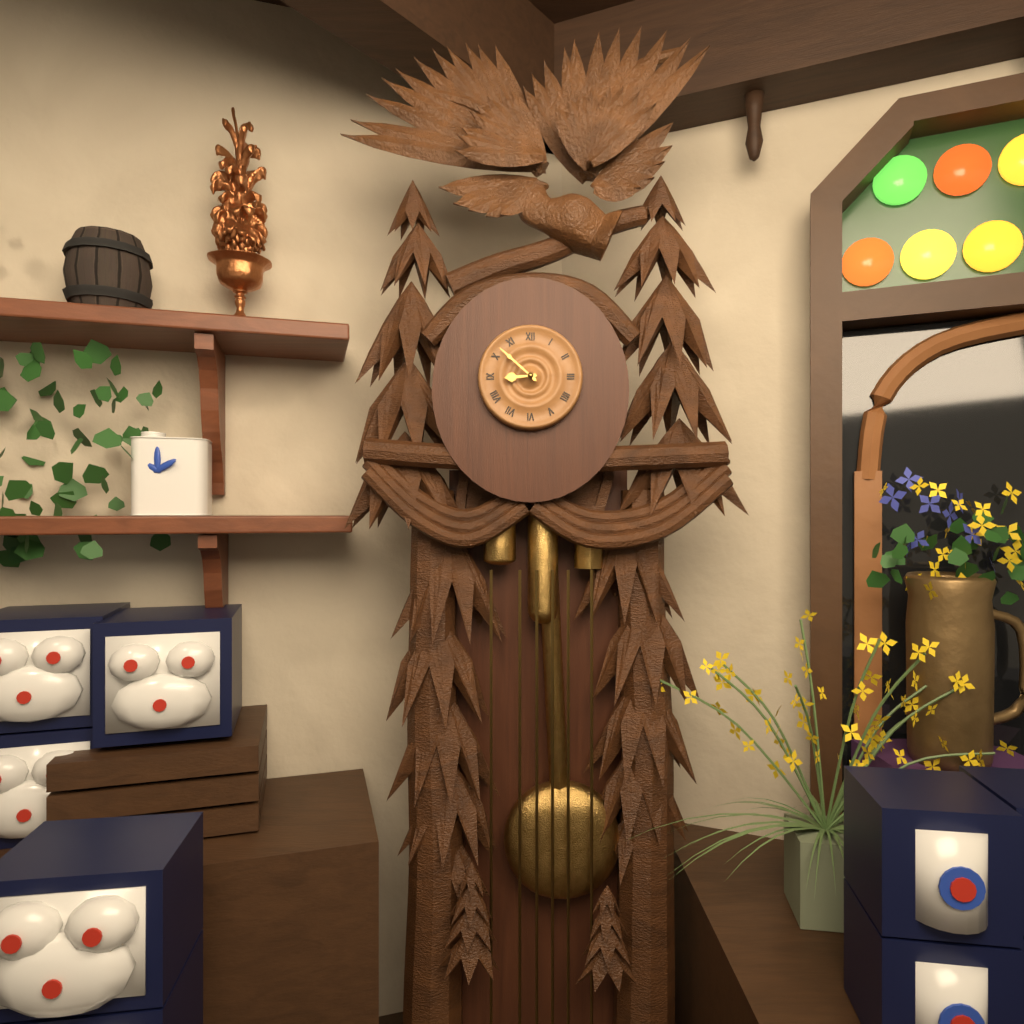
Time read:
**8:52**
